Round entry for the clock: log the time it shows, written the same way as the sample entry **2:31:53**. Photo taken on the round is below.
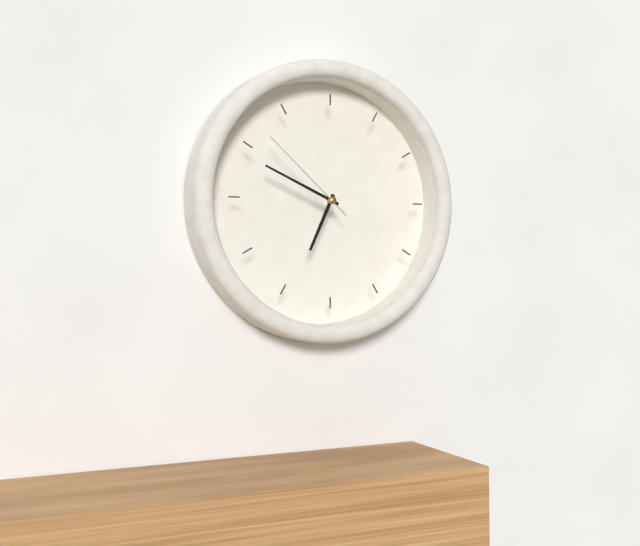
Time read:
**6:49:52**
